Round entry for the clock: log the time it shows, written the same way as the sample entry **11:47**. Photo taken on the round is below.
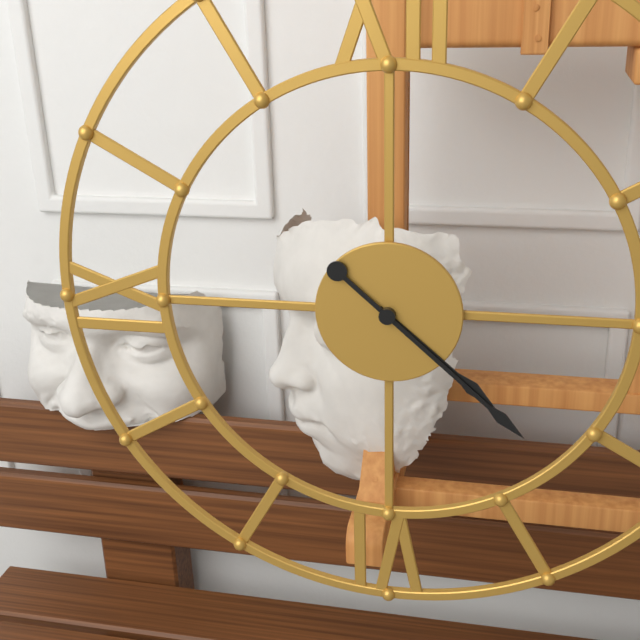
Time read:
**4:22**
